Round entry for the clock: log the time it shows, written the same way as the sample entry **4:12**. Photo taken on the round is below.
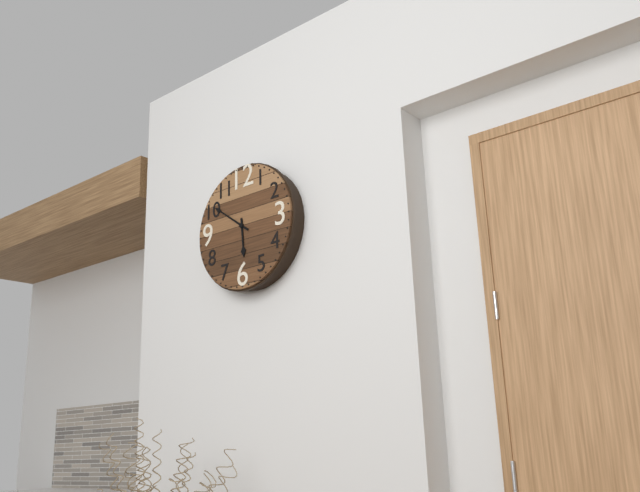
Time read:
**5:51**
